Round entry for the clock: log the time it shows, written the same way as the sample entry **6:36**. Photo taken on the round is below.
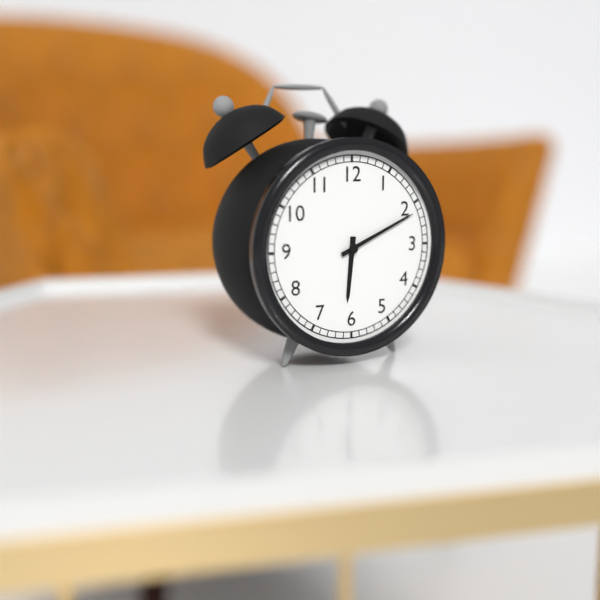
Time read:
**6:11**
